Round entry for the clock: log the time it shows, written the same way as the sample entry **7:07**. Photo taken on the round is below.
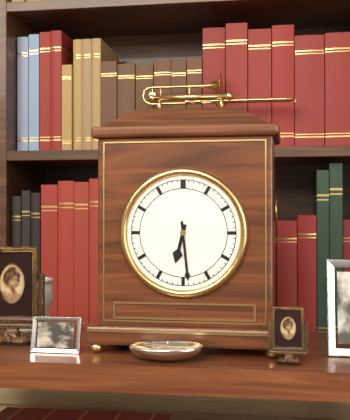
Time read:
**6:29**
